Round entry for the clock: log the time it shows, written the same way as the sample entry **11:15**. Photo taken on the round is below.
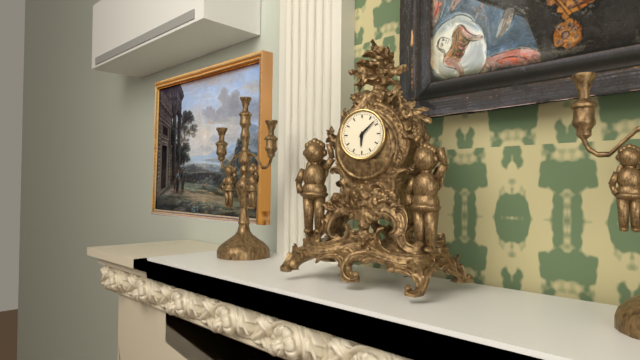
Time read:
**6:08**
